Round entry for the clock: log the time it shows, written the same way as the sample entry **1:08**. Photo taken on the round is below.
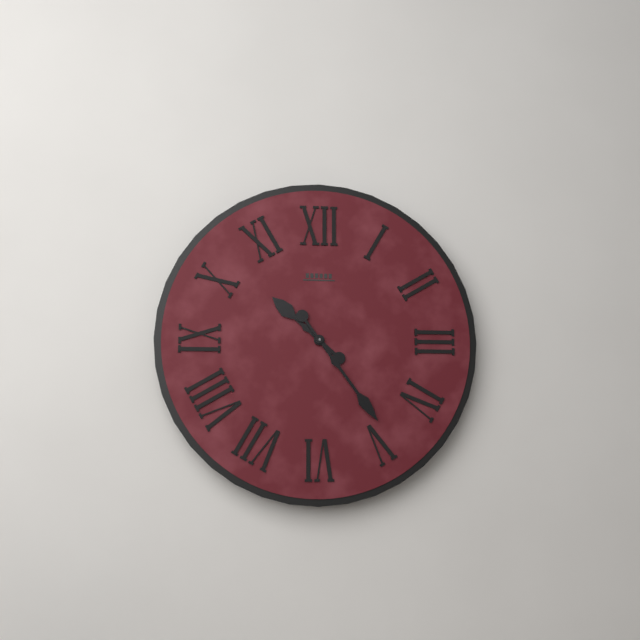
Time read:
**10:24**
